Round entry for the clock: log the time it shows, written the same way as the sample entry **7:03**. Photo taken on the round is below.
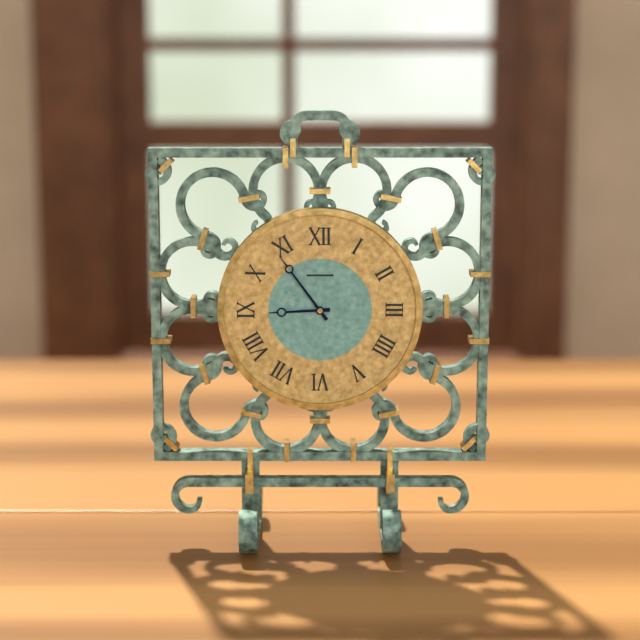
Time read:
**8:54**
